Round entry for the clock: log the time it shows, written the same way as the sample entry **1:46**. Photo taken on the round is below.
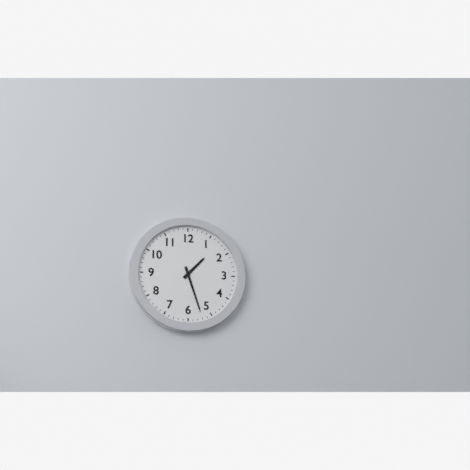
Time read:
**1:27**
